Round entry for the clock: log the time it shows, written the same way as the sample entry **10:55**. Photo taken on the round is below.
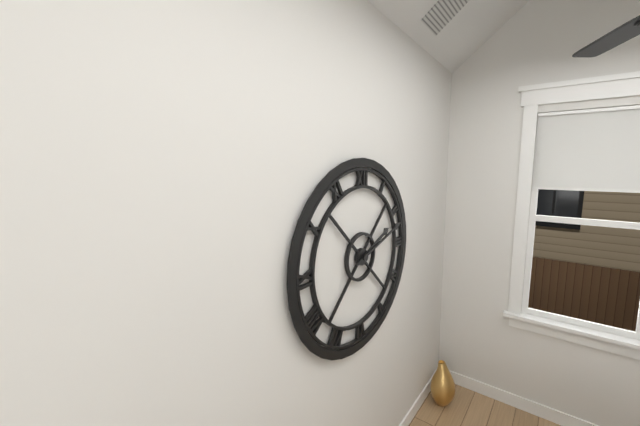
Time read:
**2:12**
